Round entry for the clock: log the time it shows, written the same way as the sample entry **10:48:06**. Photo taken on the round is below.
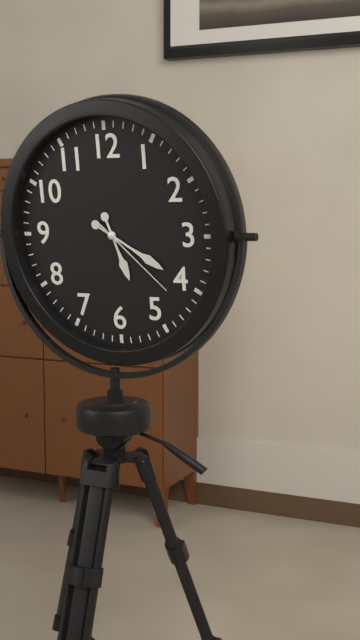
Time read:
**5:20:22**
